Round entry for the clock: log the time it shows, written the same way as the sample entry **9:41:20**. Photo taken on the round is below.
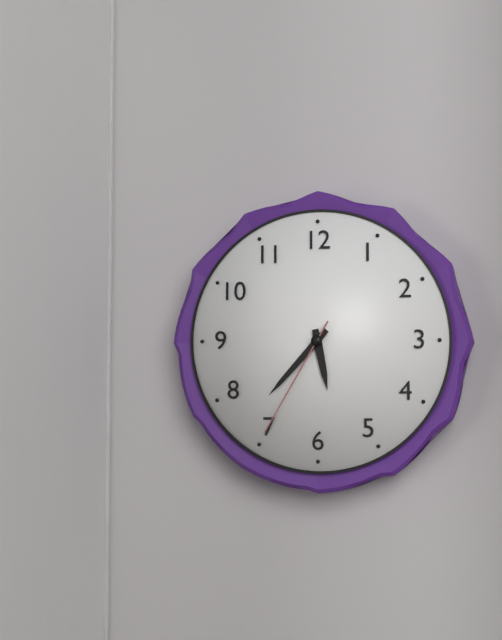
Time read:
**5:37:35**
